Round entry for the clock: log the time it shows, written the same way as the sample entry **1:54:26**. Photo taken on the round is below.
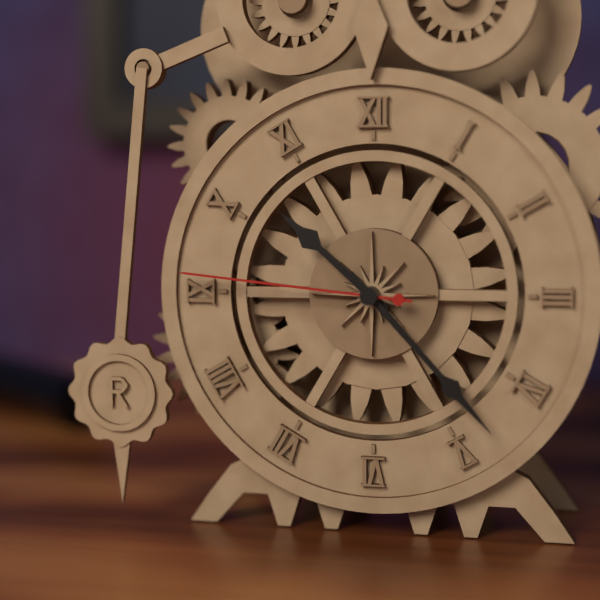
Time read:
**10:23:46**
